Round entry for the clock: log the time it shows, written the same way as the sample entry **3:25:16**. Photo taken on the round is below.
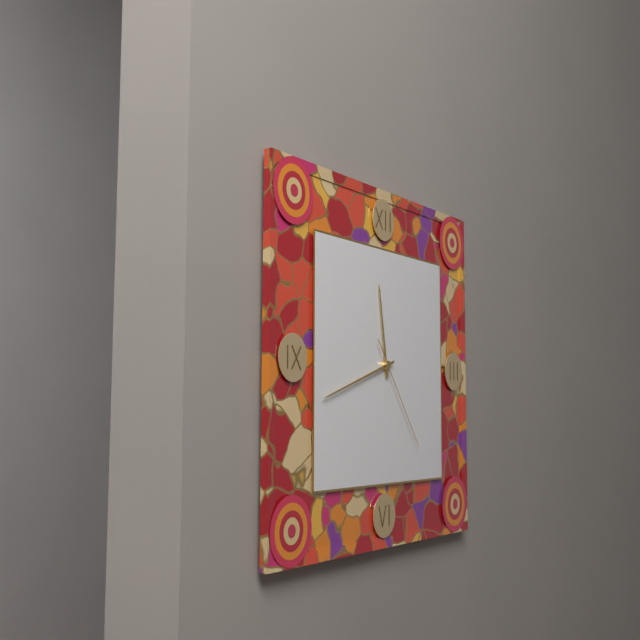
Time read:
**11:42:24**
